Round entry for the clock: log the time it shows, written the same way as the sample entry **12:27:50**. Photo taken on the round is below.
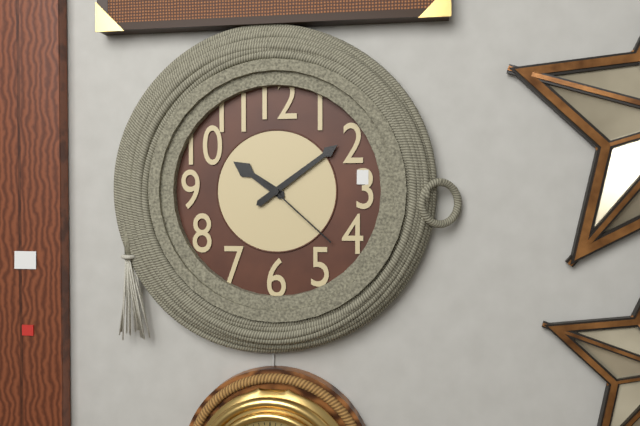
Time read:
**10:09:22**
